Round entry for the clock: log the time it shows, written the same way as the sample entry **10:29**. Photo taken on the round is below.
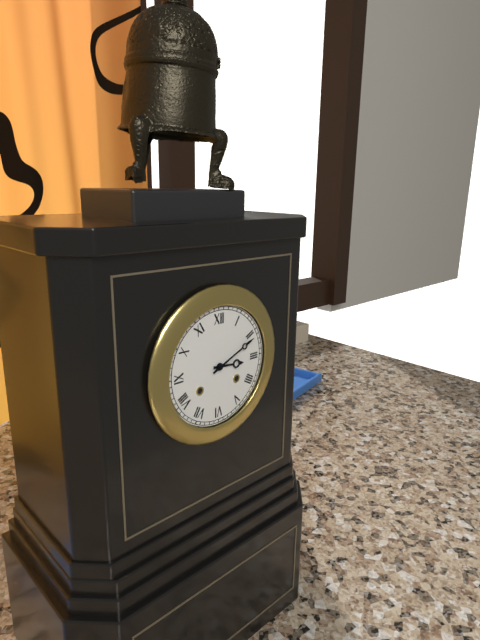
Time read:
**3:11**
